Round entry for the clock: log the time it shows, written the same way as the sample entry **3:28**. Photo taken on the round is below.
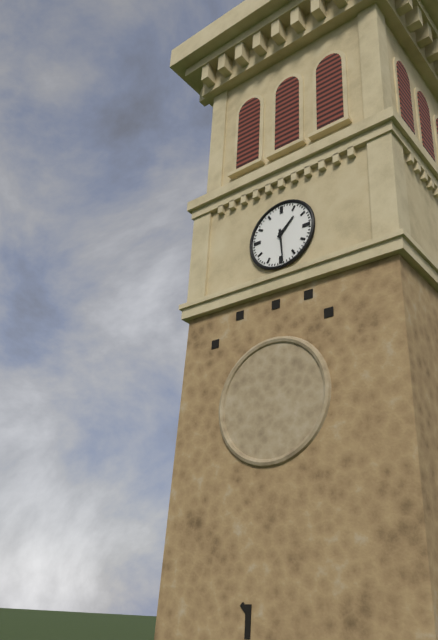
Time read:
**1:29**
